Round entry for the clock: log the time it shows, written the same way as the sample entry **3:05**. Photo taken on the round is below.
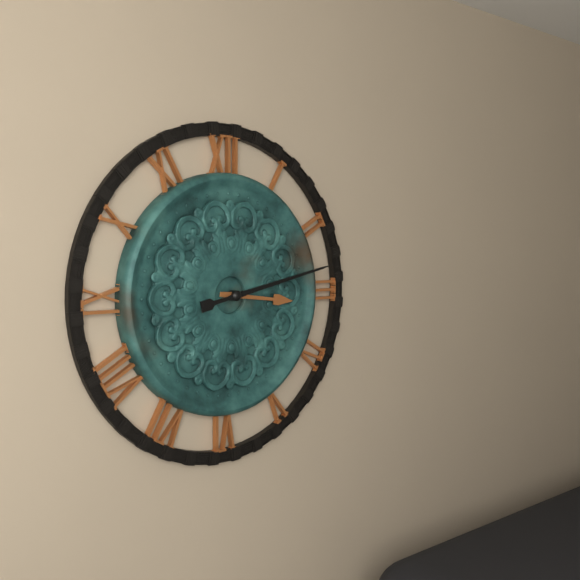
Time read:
**3:13**
